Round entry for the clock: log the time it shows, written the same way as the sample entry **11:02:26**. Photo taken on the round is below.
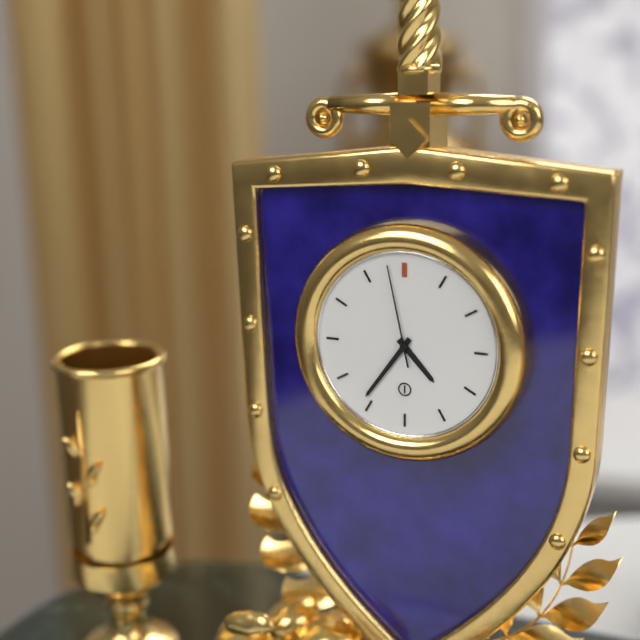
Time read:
**4:36:58**
